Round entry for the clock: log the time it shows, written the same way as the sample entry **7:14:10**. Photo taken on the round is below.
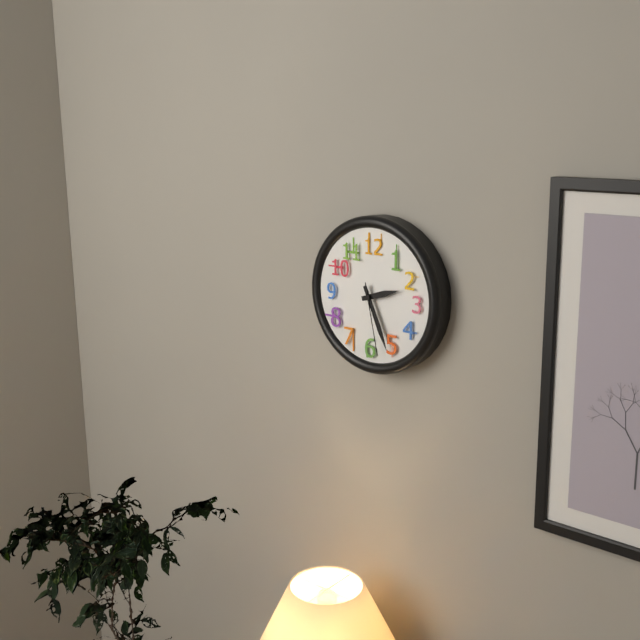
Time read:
**2:26:28**
